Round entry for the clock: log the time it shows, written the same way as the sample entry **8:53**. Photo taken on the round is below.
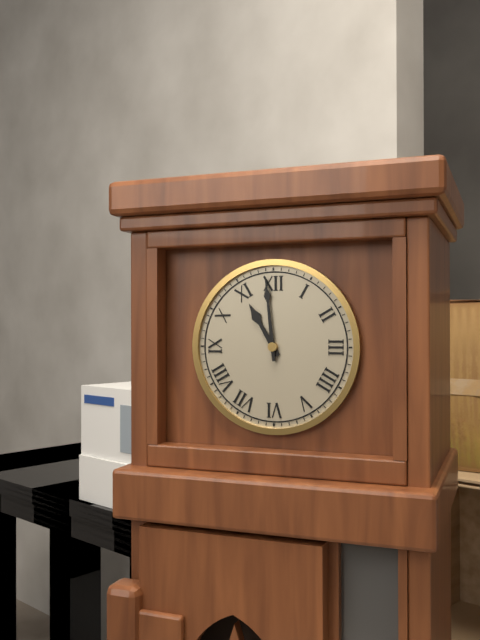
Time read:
**10:59**
